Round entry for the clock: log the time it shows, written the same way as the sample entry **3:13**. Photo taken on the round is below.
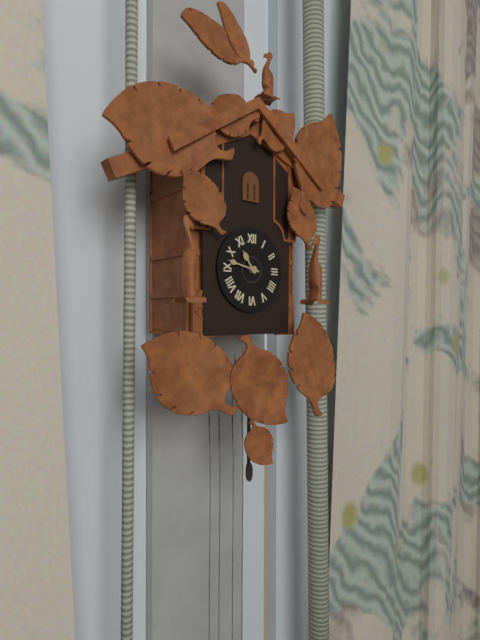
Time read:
**10:47**
